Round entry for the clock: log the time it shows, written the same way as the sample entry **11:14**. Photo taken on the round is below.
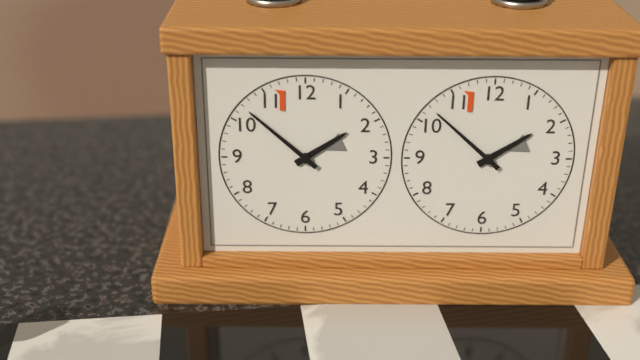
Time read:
**1:52**
